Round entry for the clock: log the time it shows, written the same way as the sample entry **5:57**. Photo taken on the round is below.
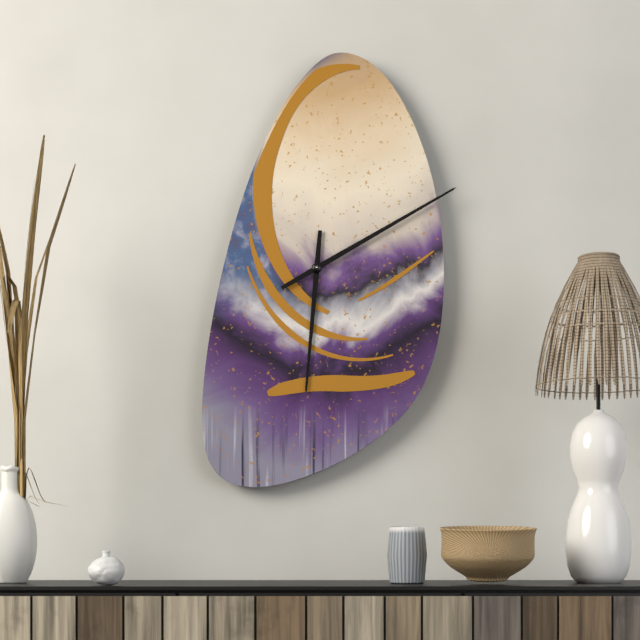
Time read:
**6:10**
